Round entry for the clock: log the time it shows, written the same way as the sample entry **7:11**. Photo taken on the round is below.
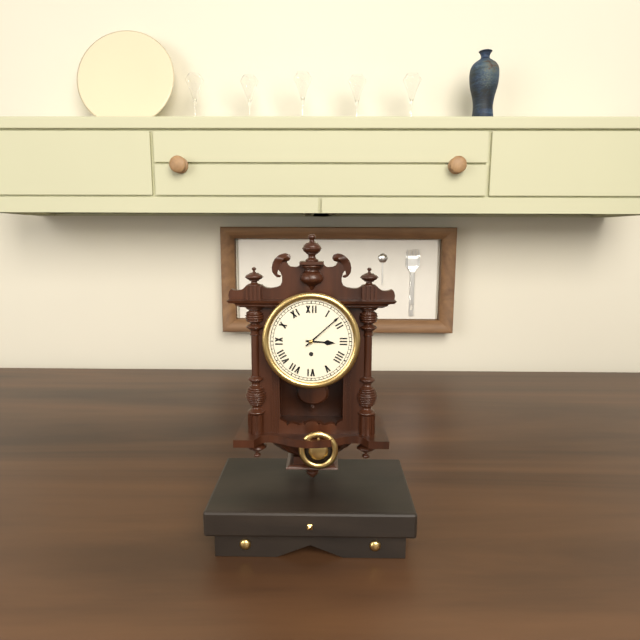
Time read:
**3:08**
